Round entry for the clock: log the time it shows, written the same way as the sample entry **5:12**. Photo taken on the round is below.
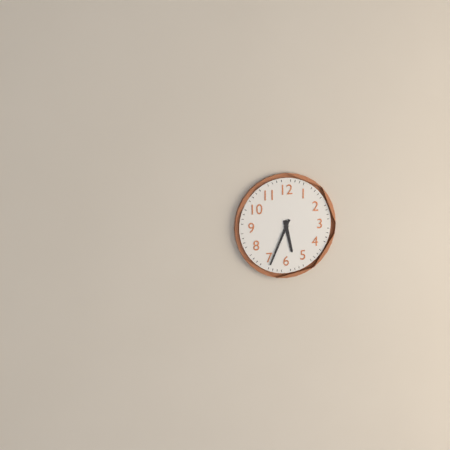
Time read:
**5:34**
